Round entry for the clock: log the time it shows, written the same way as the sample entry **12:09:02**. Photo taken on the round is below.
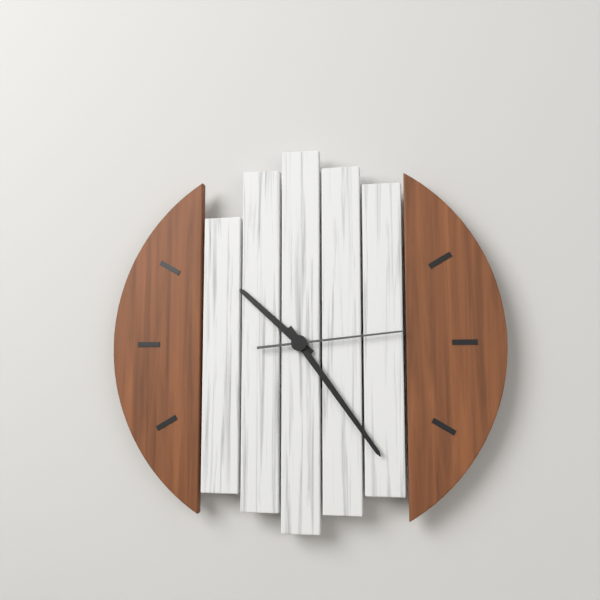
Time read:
**10:24:14**
